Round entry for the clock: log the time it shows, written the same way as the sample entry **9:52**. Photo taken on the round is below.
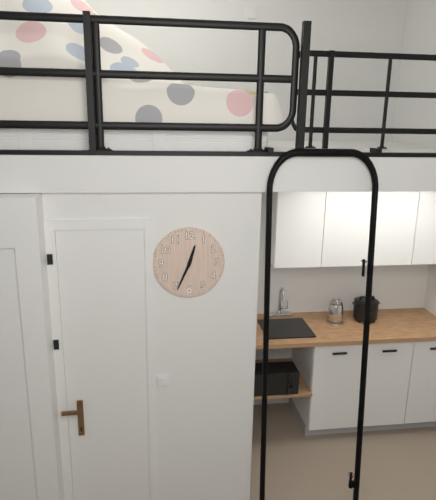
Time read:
**12:34**
